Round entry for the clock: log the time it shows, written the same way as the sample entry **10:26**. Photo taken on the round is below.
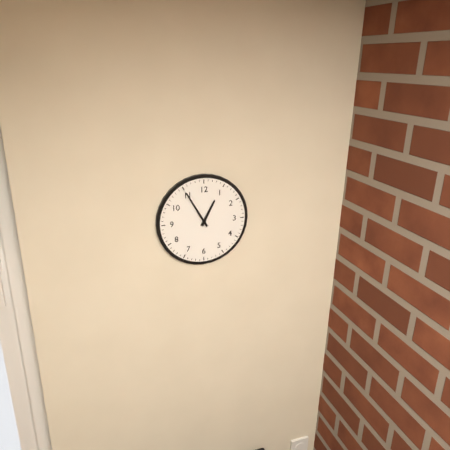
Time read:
**12:55**
